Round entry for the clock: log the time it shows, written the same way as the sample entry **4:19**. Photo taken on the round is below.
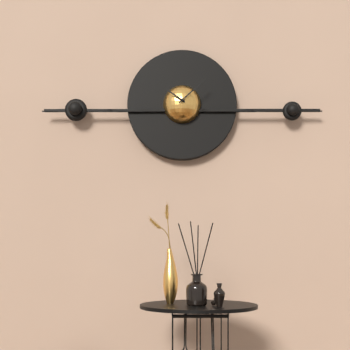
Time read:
**10:08**
